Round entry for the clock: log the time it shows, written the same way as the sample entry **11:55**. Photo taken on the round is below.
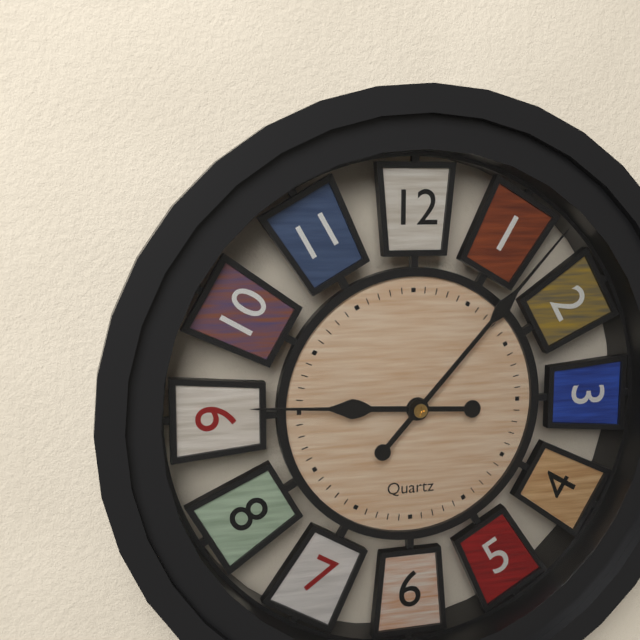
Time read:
**9:07**
